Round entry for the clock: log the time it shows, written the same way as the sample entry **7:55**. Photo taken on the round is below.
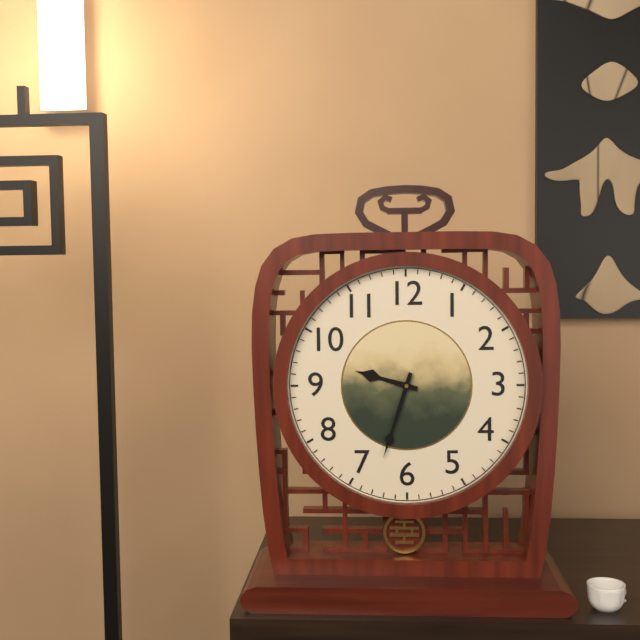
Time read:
**9:33**
